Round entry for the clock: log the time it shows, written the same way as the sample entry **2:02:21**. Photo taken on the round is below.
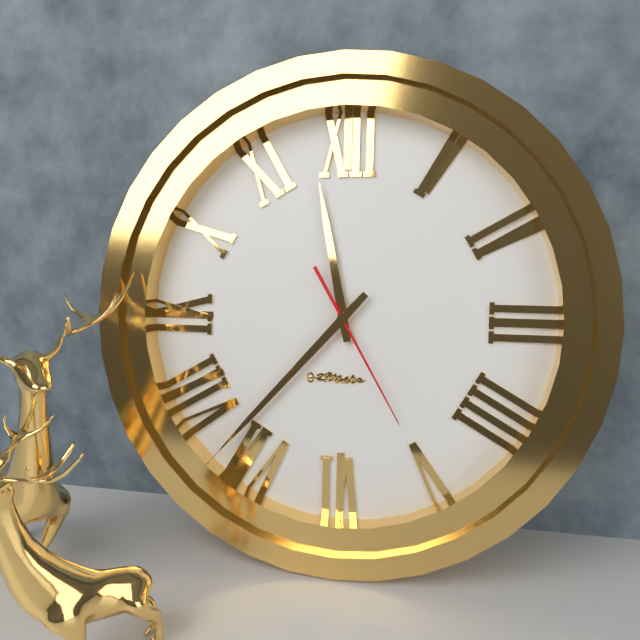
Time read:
**11:37:25**
